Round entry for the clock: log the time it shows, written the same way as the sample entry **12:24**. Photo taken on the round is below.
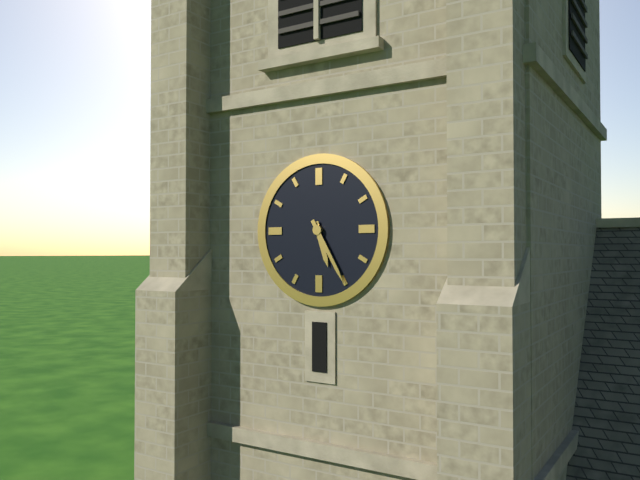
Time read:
**5:25**
